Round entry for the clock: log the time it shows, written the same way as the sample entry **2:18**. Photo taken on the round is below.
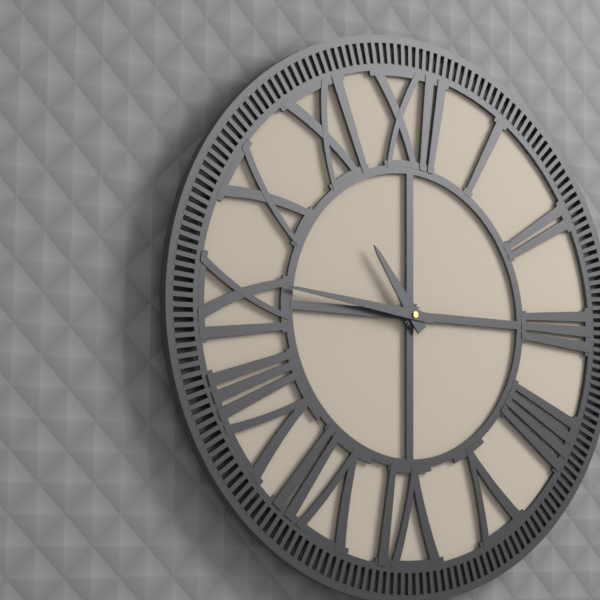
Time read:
**10:46**
